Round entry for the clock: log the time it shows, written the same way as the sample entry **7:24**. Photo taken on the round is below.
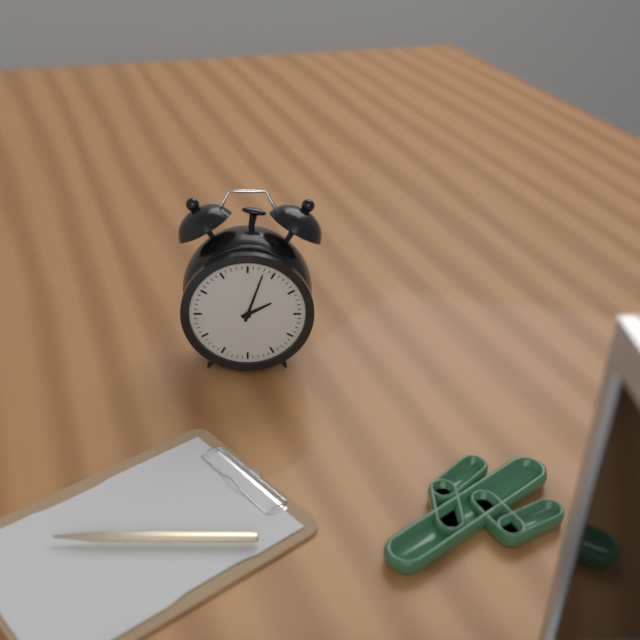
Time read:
**2:03**
